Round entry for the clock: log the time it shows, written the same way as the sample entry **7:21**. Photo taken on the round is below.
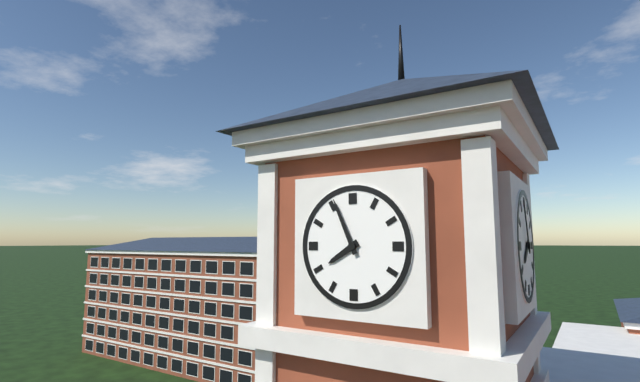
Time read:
**7:56**
